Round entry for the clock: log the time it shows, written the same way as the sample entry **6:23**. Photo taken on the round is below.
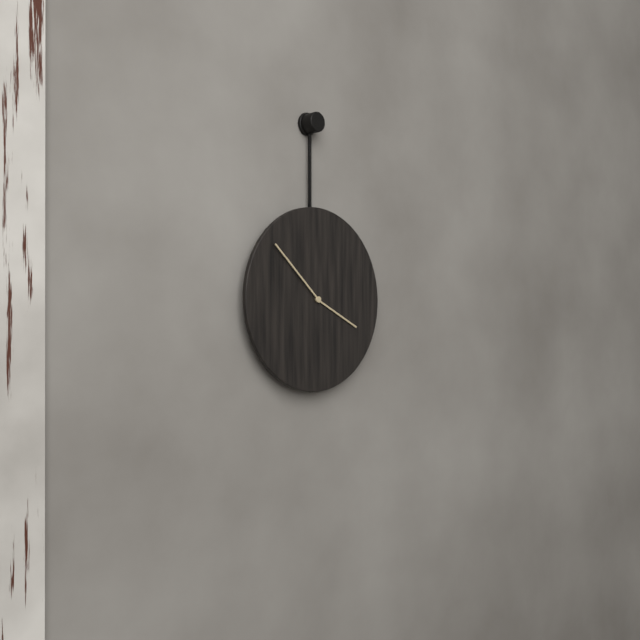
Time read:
**3:52**
